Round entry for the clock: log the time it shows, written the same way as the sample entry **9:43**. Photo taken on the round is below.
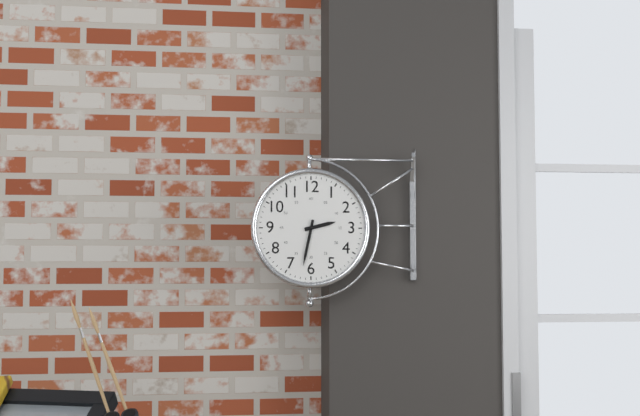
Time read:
**2:32**
